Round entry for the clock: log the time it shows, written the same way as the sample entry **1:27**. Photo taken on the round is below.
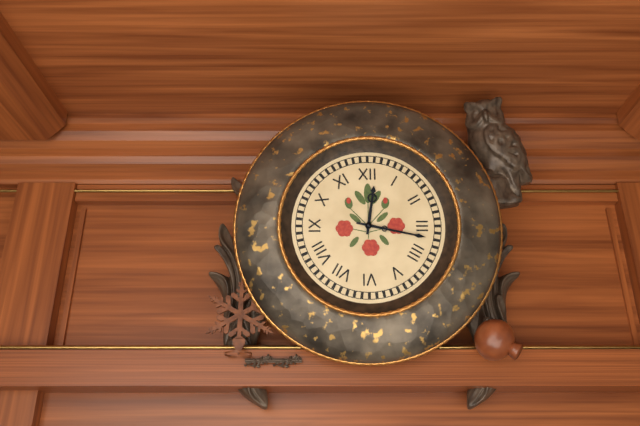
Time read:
**12:17**
